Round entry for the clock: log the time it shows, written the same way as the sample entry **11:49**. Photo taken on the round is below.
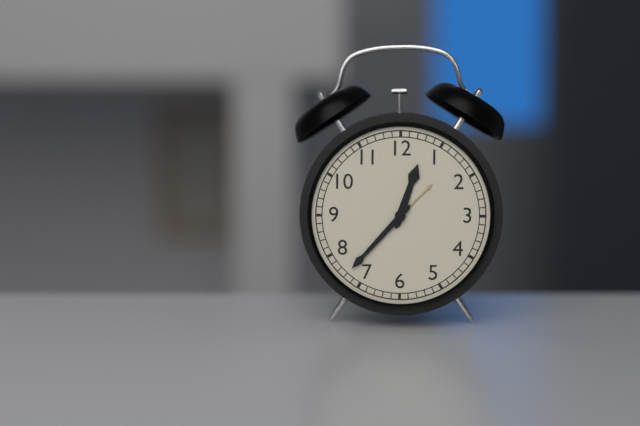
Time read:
**12:37**
